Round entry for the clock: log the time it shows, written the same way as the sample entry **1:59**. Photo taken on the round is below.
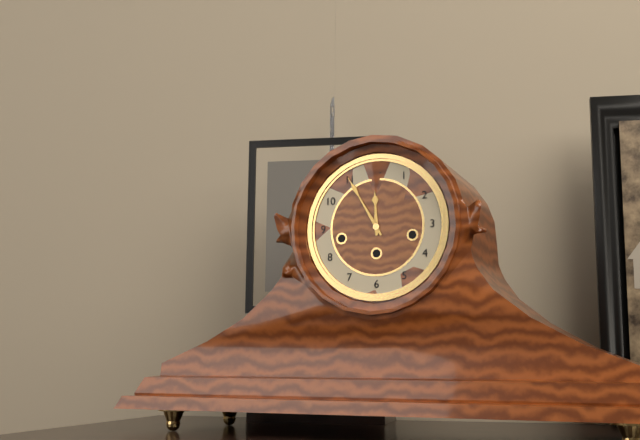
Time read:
**11:55**
